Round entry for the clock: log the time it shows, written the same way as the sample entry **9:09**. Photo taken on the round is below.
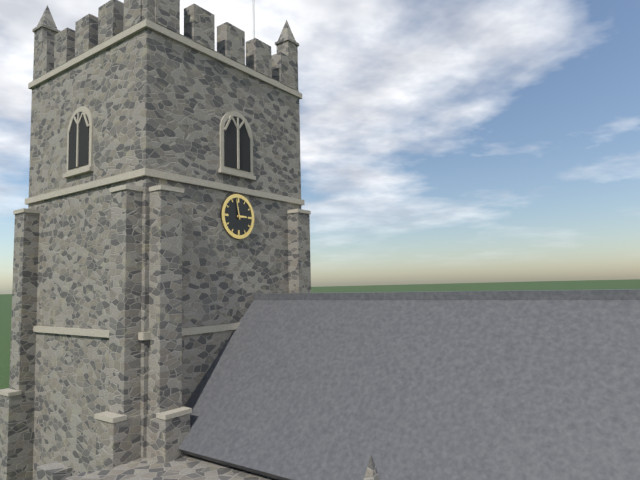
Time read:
**2:58**
